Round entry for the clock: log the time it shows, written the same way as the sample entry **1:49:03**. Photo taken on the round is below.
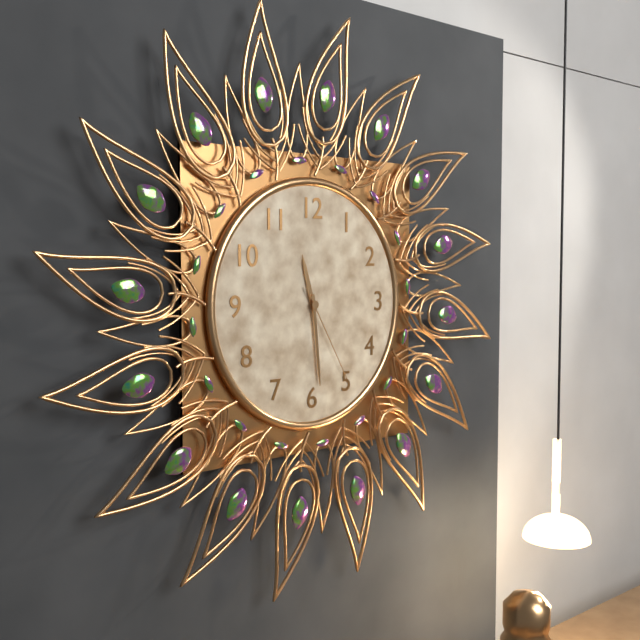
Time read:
**11:29:25**
